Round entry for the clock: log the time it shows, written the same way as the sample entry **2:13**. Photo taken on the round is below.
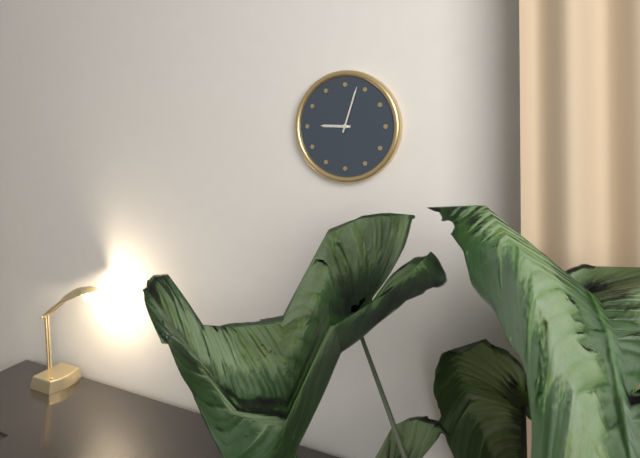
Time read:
**9:03**
